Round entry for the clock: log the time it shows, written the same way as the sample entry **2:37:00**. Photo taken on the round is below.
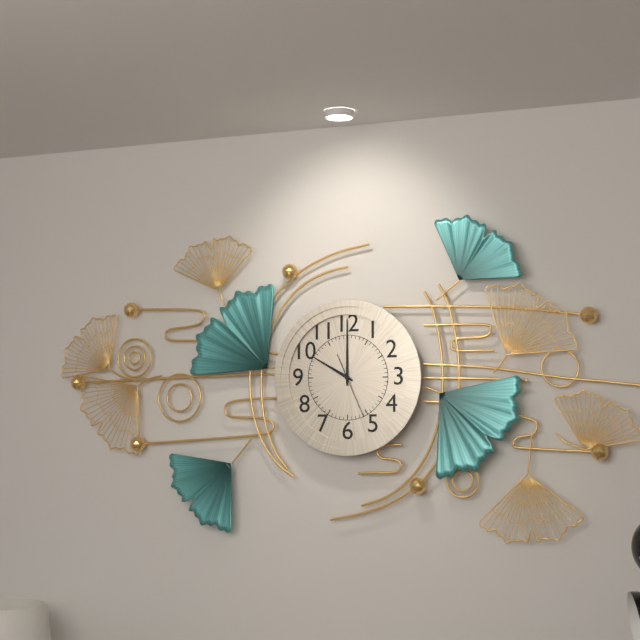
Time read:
**10:00:26**
